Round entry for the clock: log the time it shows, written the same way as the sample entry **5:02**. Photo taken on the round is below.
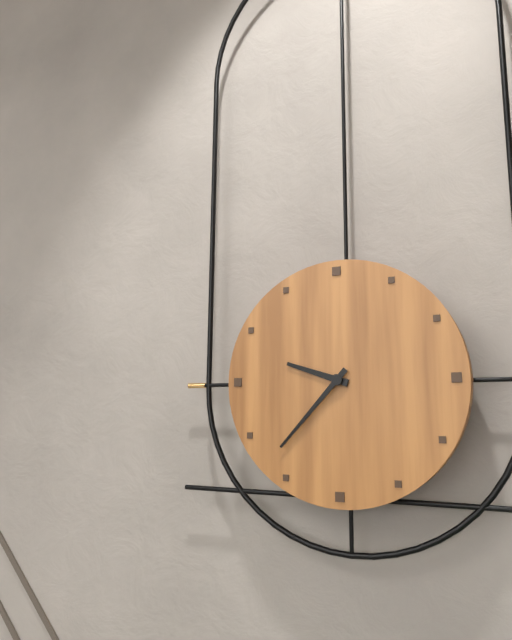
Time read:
**9:37**
